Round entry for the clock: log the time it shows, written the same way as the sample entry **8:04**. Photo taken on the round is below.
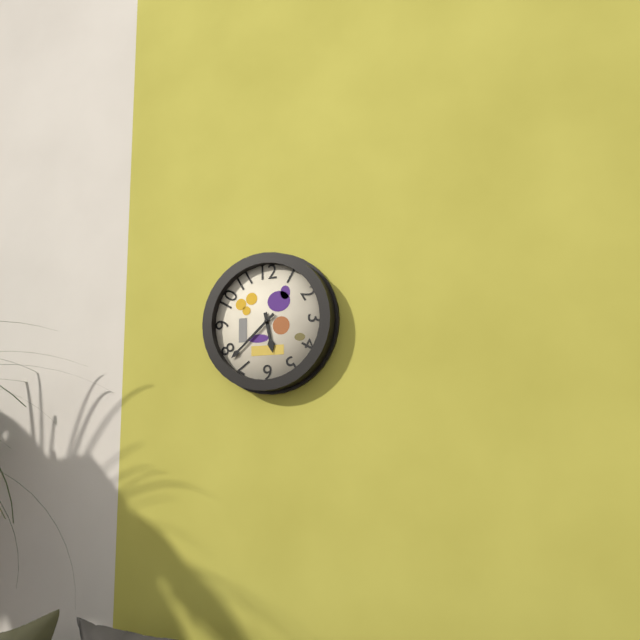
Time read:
**5:38**
